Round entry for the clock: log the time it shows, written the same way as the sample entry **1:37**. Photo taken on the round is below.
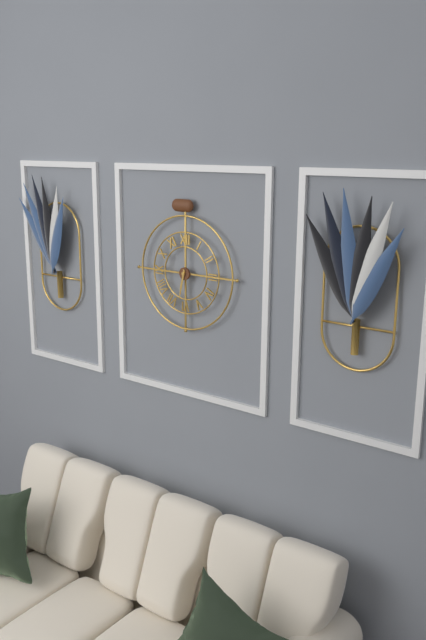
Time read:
**6:32**
